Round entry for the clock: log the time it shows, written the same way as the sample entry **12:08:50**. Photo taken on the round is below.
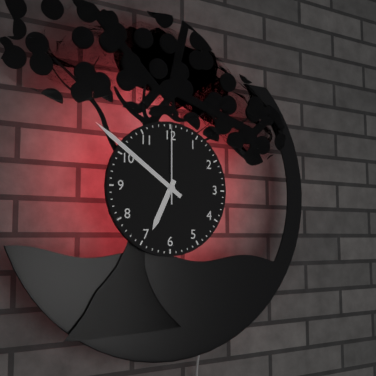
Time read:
**6:51:00**
